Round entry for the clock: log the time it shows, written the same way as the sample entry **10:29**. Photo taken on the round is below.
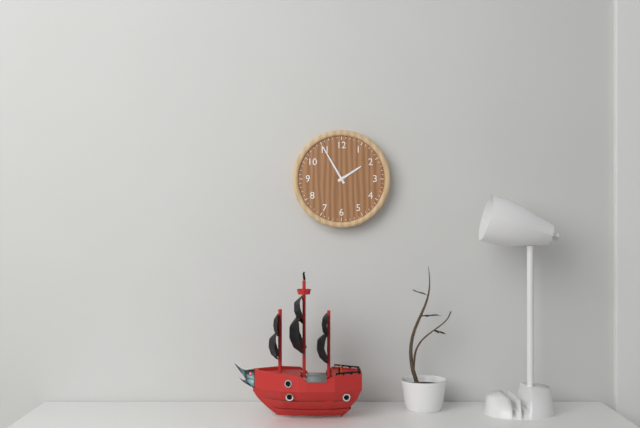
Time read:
**1:55**
